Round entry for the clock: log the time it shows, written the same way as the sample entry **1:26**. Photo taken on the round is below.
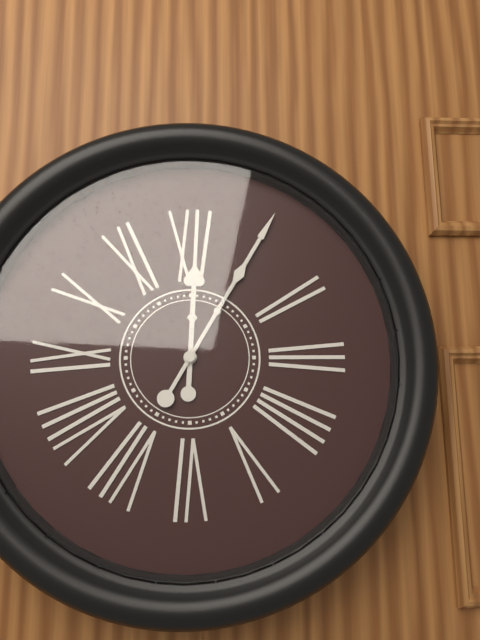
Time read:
**12:05**
